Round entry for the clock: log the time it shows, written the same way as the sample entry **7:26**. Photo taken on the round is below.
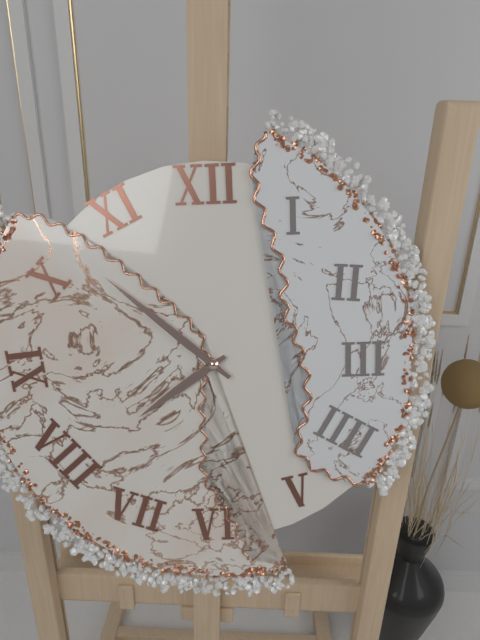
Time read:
**7:52**
